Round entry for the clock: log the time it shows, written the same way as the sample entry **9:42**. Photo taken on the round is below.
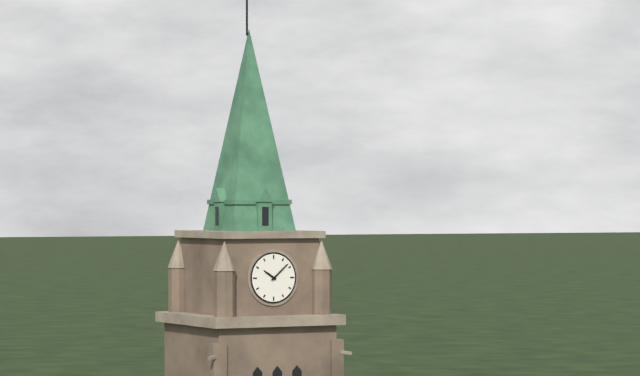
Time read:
**10:08**
